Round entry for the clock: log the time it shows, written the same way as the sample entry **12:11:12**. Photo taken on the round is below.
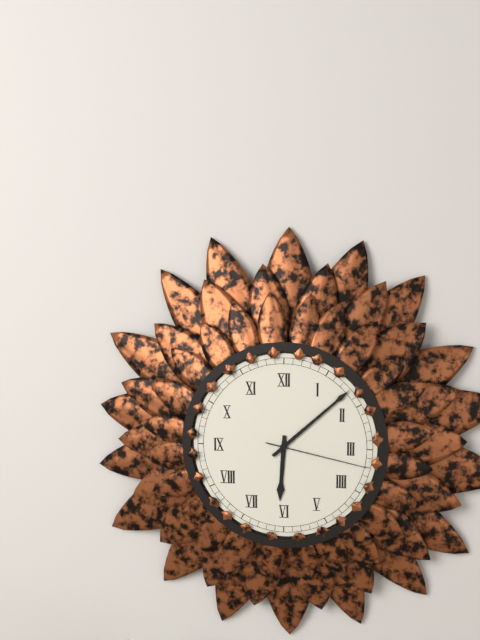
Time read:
**6:08:17**
